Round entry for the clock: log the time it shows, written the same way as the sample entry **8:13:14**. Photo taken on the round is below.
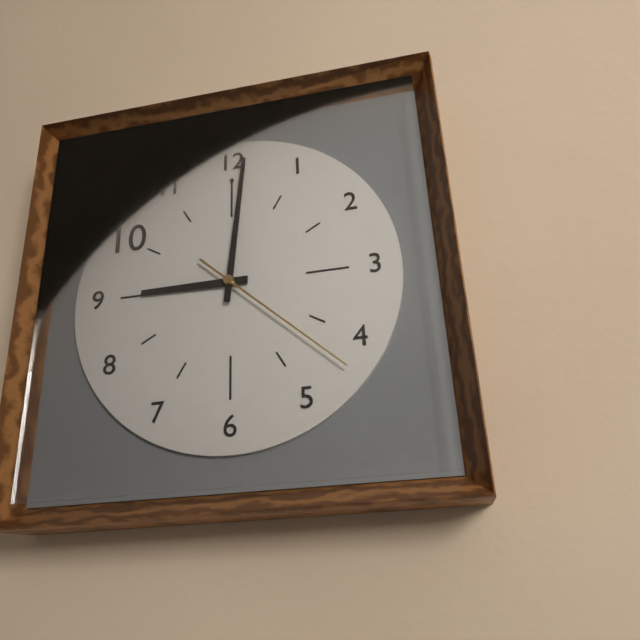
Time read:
**9:01:22**
